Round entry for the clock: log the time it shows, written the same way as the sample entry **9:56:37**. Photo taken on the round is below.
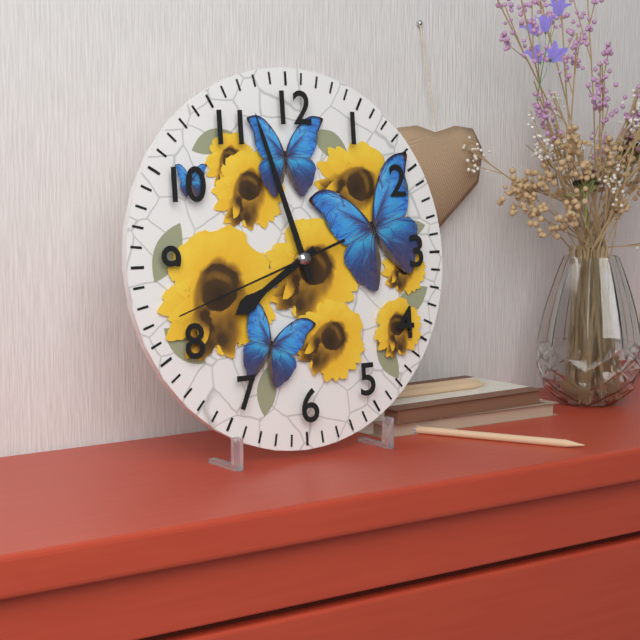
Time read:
**7:57:42**
